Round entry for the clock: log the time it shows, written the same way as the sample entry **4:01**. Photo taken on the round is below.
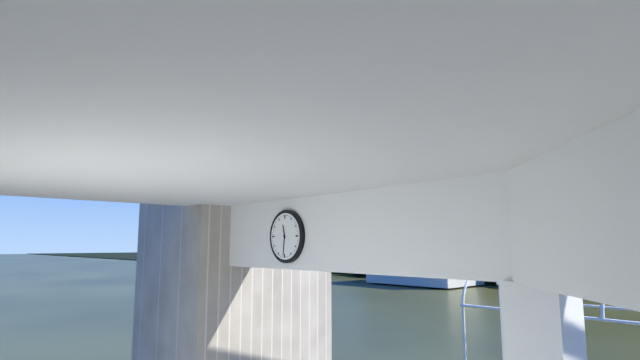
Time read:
**11:31**
